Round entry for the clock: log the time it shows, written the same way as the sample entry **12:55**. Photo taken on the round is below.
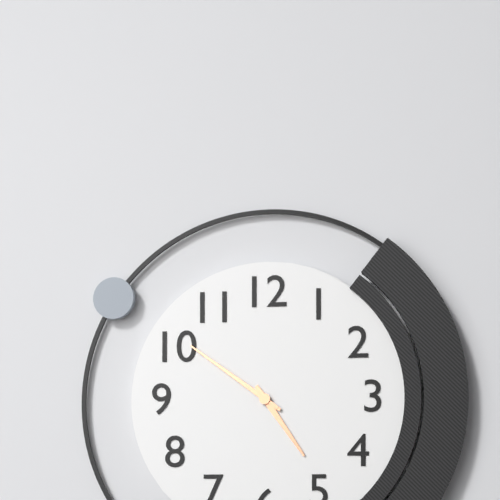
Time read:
**4:51**
